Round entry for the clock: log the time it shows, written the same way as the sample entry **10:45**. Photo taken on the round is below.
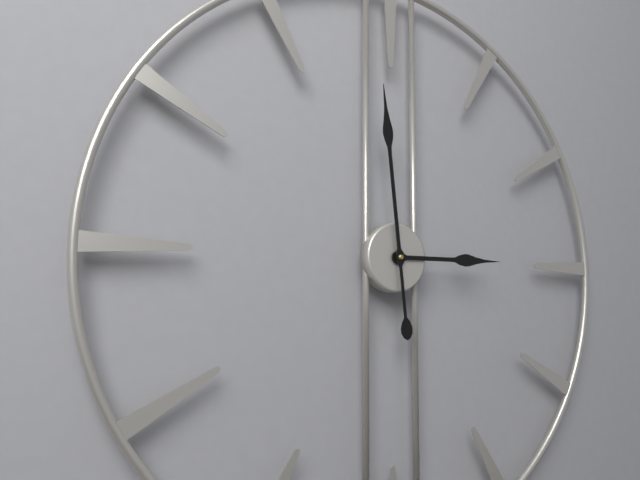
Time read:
**2:59**
